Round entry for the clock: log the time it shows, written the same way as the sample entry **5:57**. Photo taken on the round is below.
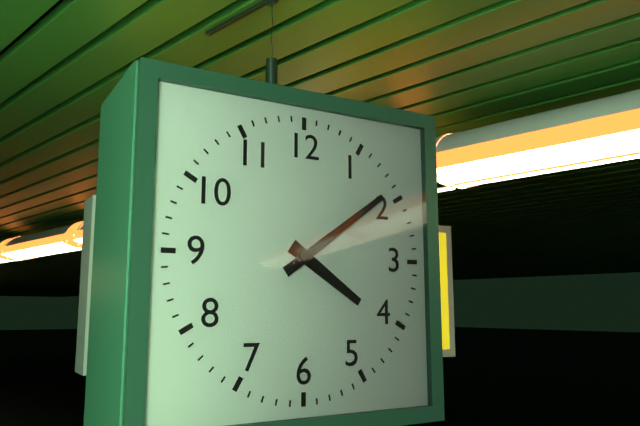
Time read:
**4:09**
